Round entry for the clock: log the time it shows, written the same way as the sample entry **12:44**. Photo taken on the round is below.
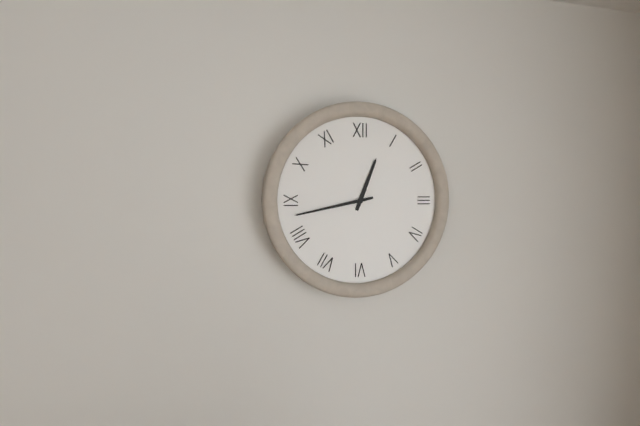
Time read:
**12:43**
